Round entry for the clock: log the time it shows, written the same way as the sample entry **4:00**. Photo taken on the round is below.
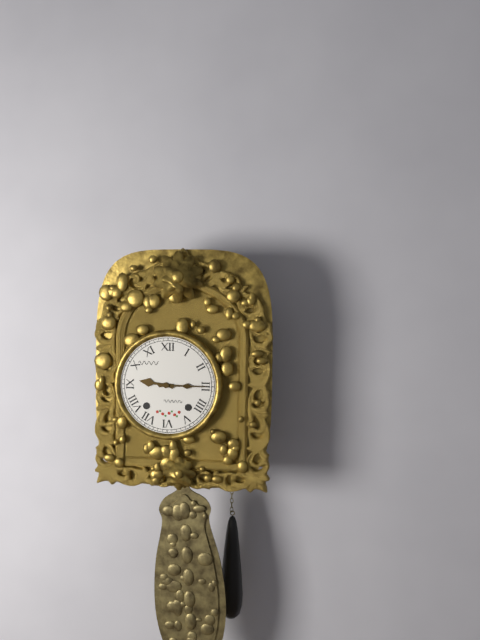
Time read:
**9:15**
